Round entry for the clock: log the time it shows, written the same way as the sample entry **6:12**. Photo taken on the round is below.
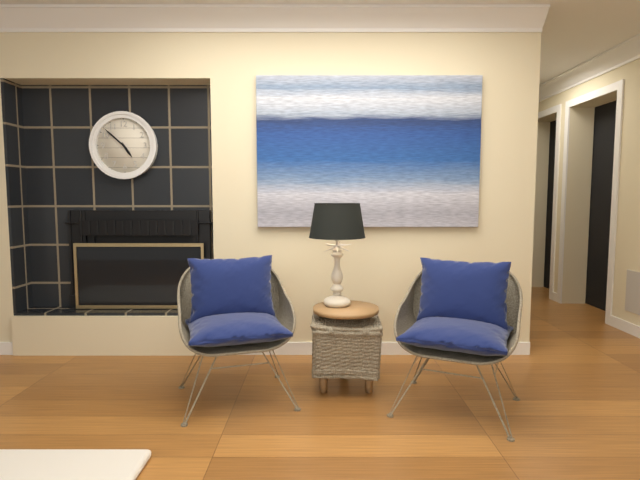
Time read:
**4:52**
